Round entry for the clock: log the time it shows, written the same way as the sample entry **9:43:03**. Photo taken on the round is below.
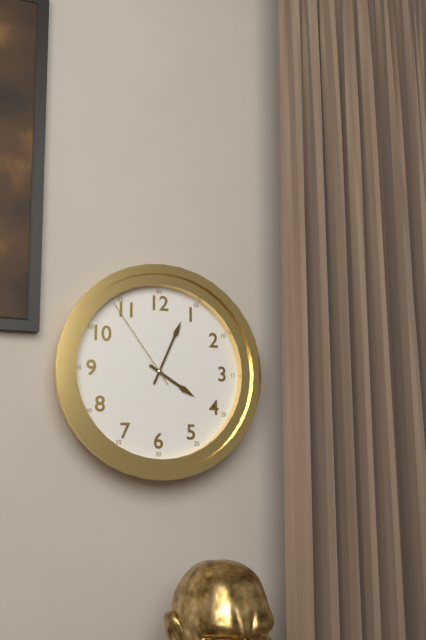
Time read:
**4:04:54**
